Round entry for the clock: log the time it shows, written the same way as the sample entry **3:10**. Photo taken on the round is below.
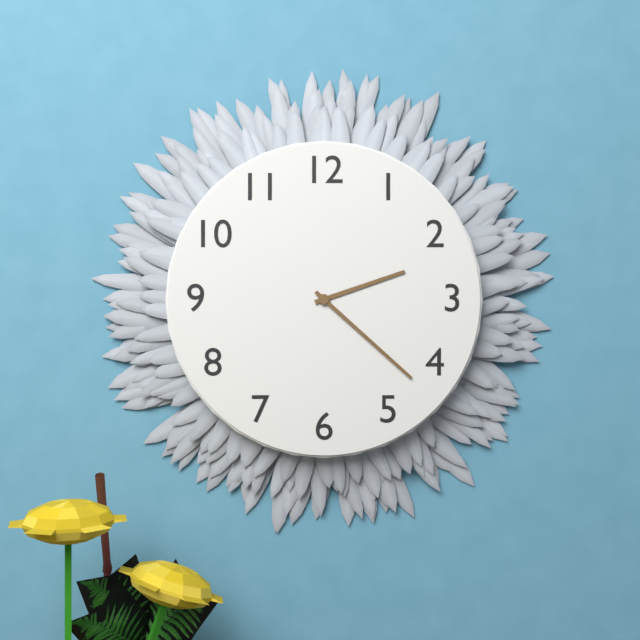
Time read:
**2:22**
